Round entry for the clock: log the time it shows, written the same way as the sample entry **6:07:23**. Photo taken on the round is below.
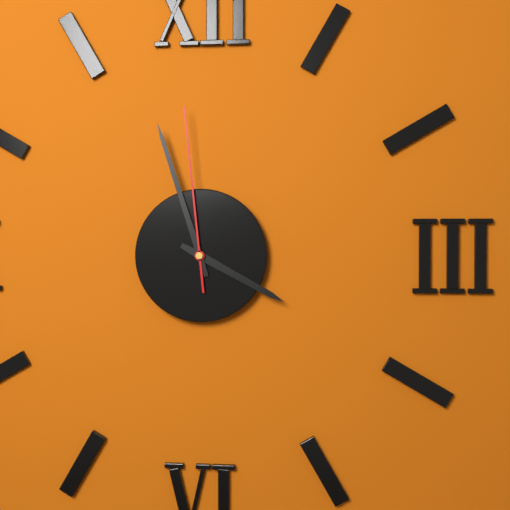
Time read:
**3:57:59**
